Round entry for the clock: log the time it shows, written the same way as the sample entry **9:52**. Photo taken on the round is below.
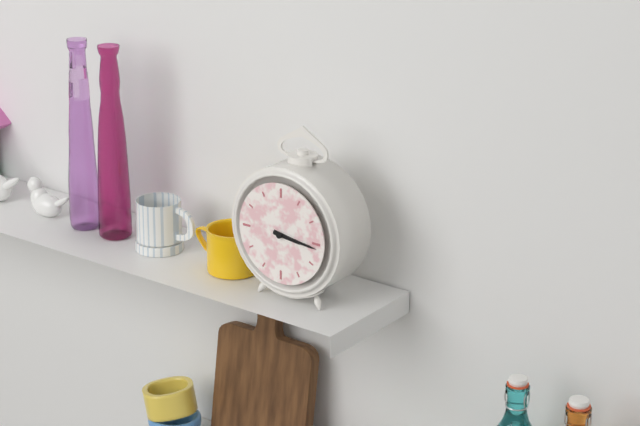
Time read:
**3:16**
